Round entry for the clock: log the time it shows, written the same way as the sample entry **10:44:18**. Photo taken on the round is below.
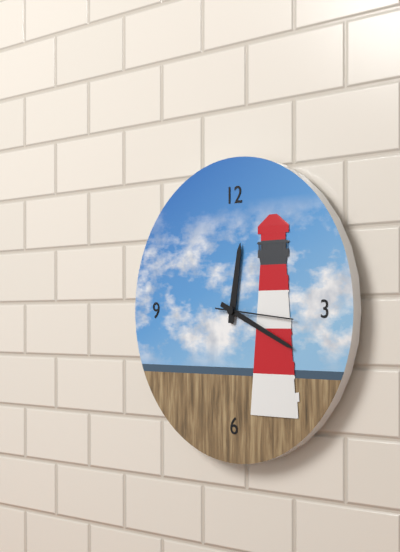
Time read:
**12:19:16**
